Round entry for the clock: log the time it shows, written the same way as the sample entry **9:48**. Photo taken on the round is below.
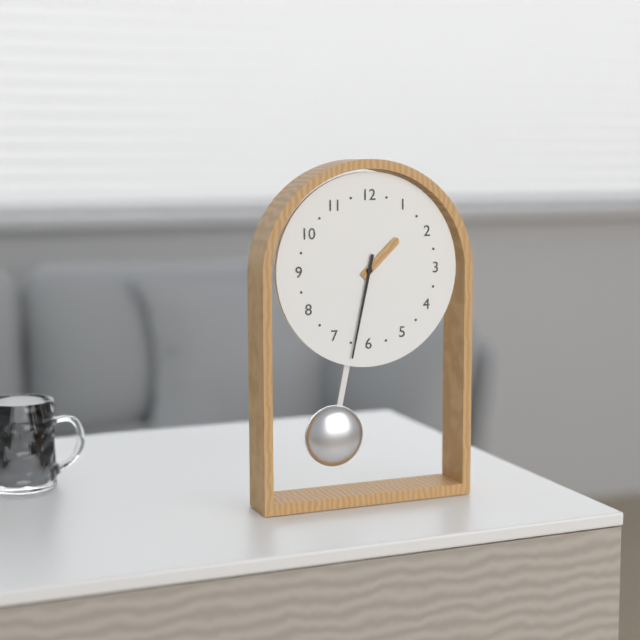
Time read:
**1:32**
